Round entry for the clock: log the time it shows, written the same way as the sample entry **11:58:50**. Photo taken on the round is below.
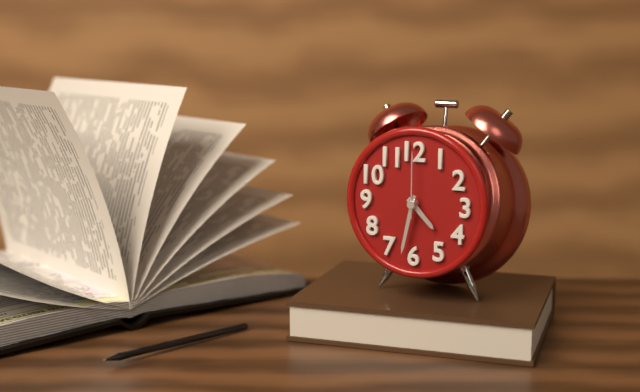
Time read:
**4:32:00**
